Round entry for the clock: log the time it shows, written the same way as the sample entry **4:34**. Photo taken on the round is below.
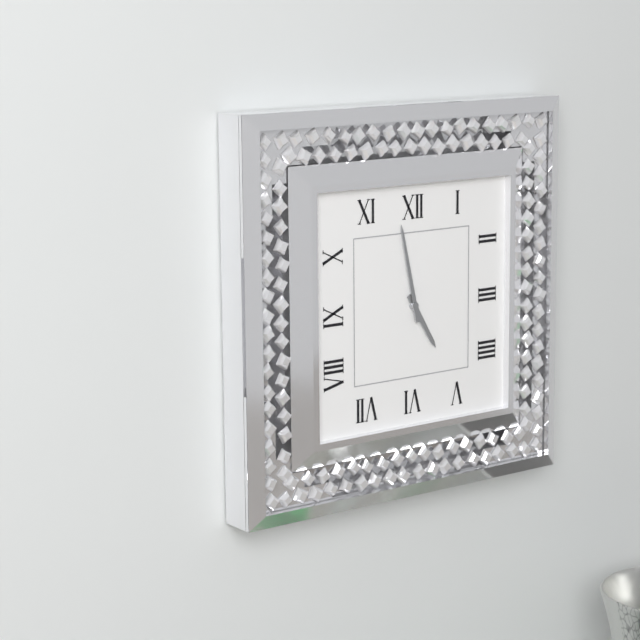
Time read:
**4:58**
